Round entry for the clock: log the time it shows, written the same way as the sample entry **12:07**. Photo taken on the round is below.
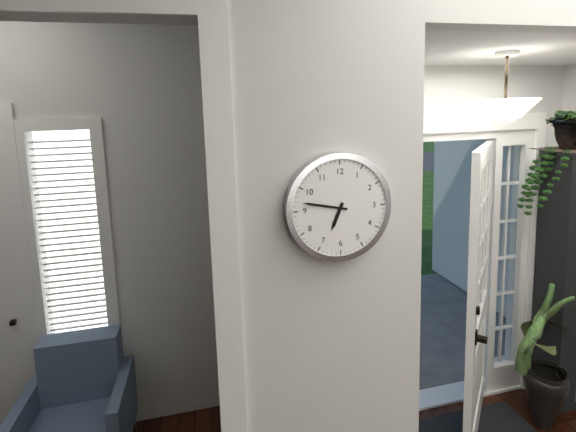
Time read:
**6:47**
